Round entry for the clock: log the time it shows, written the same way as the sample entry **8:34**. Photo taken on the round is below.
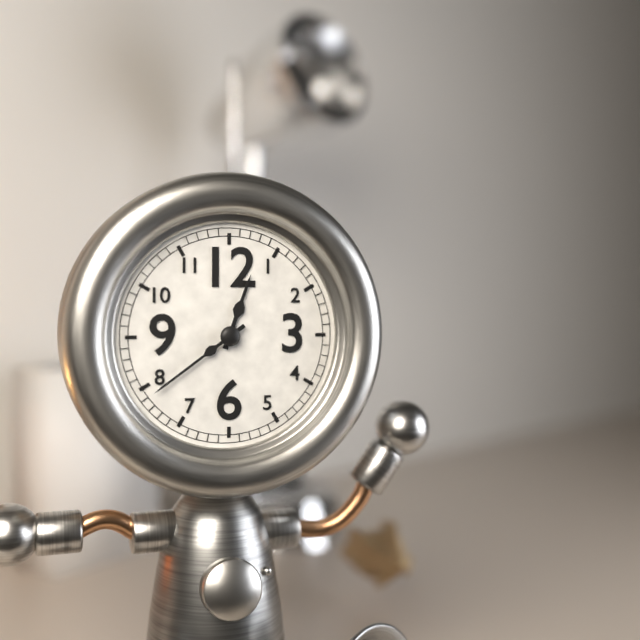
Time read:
**12:39**
